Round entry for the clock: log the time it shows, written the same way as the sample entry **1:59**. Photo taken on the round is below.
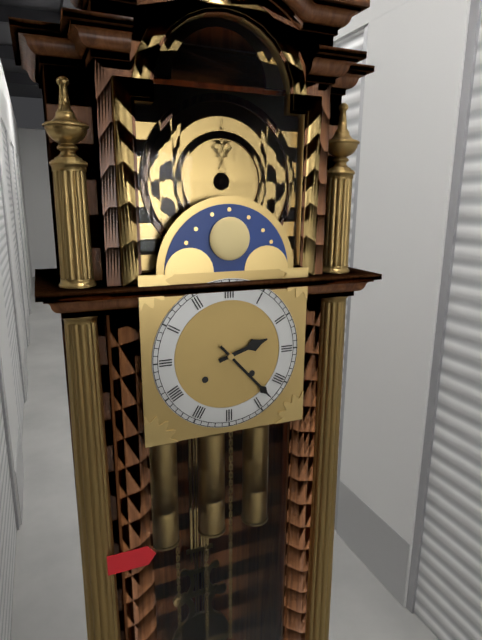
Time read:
**2:23**
